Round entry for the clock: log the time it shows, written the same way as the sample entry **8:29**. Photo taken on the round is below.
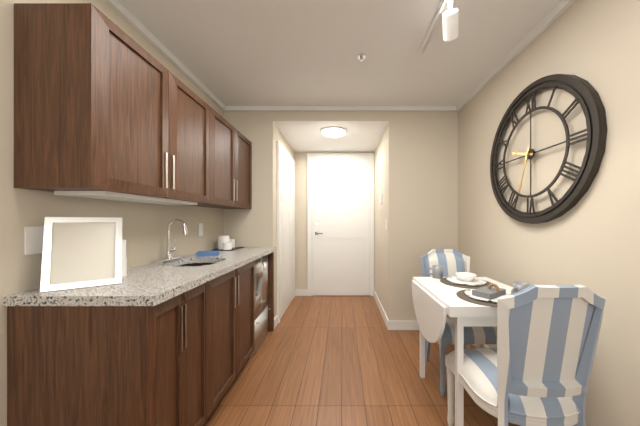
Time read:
**9:33**
